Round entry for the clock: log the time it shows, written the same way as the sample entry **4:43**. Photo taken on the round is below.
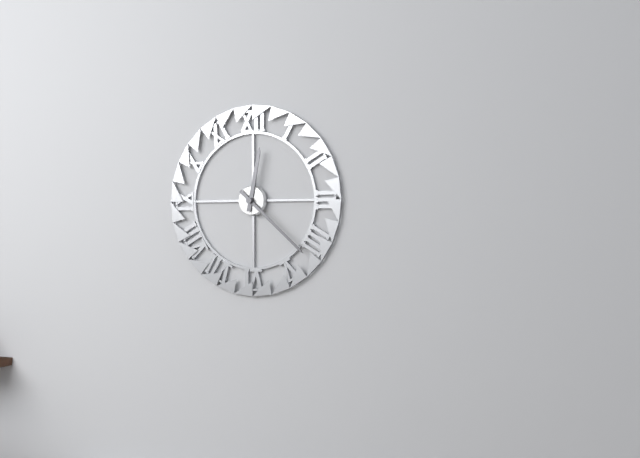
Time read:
**12:22**
